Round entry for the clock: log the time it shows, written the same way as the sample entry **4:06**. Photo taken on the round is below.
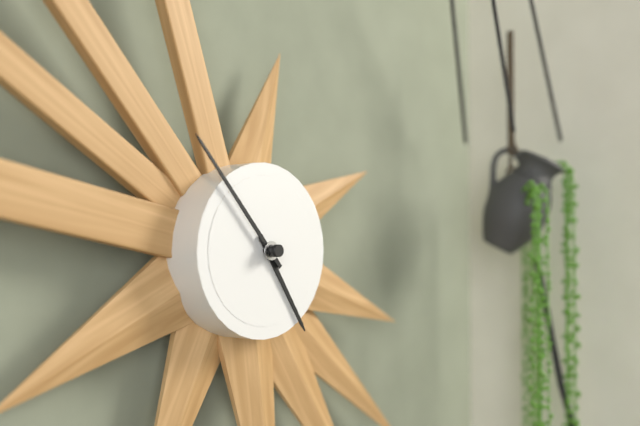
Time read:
**4:53**
